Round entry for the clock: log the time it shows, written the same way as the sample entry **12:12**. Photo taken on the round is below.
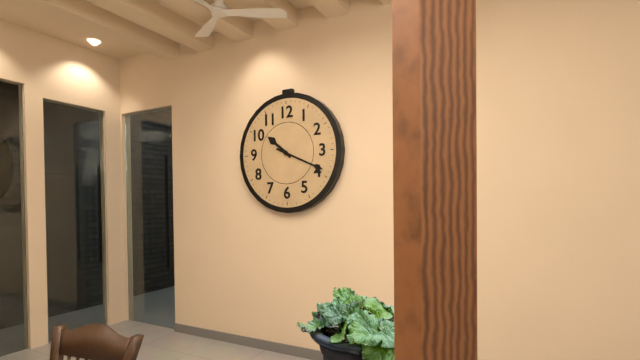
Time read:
**10:19**
